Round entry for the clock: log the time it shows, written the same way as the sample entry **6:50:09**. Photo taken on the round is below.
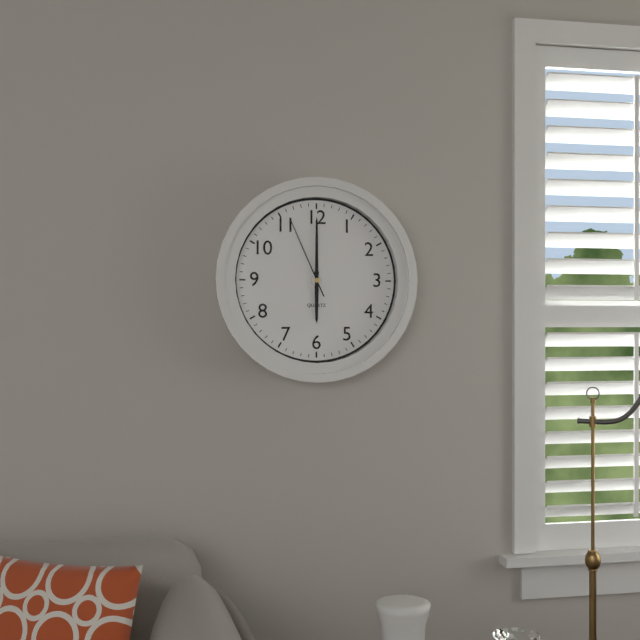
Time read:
**6:00:56**
